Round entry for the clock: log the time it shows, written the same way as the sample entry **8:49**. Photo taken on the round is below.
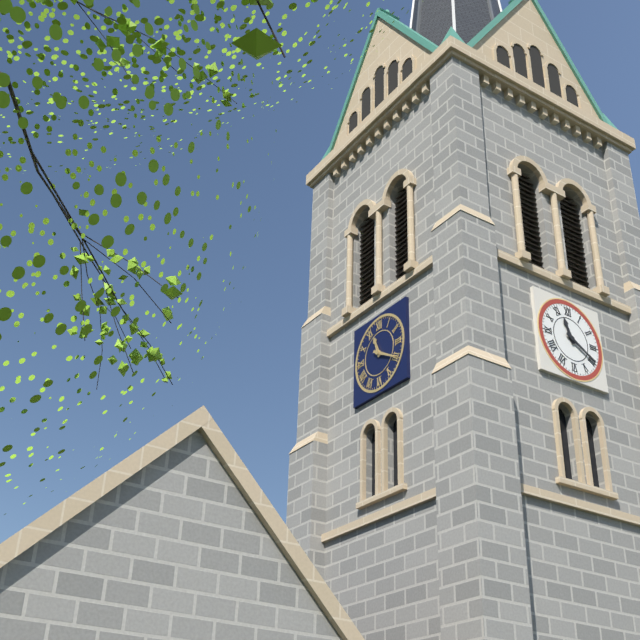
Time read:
**11:20**
